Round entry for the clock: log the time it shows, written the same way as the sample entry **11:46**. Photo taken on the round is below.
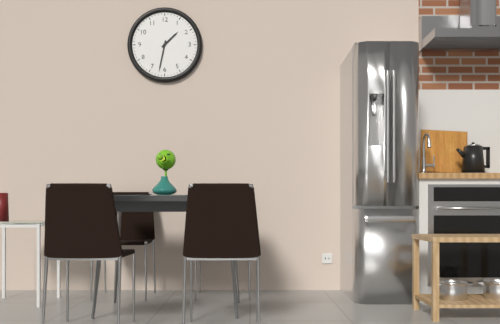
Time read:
**1:32**
